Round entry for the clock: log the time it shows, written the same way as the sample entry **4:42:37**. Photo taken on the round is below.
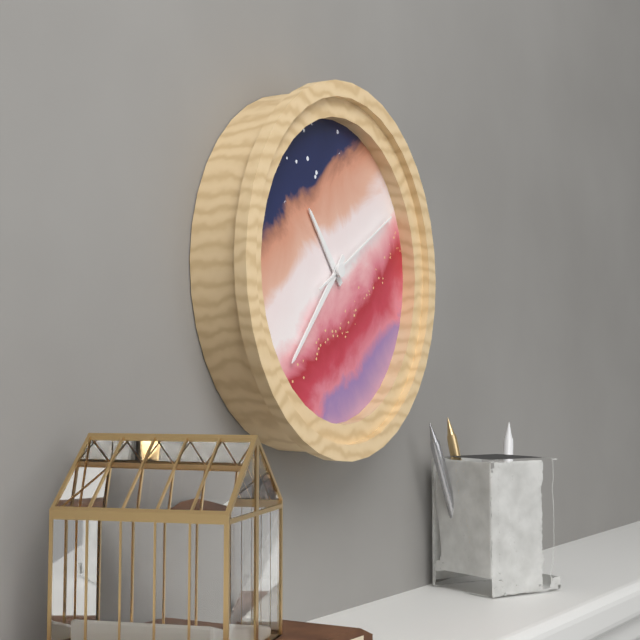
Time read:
**10:37:10**
